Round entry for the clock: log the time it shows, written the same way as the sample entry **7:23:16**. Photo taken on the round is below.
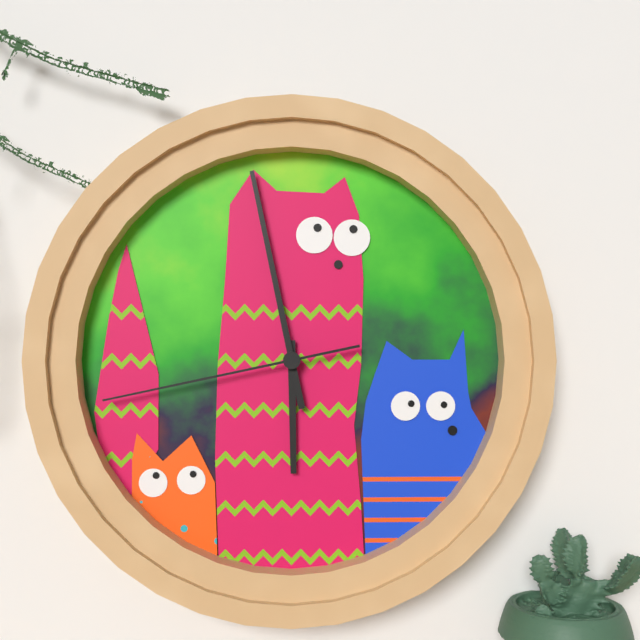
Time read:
**5:58:43**
